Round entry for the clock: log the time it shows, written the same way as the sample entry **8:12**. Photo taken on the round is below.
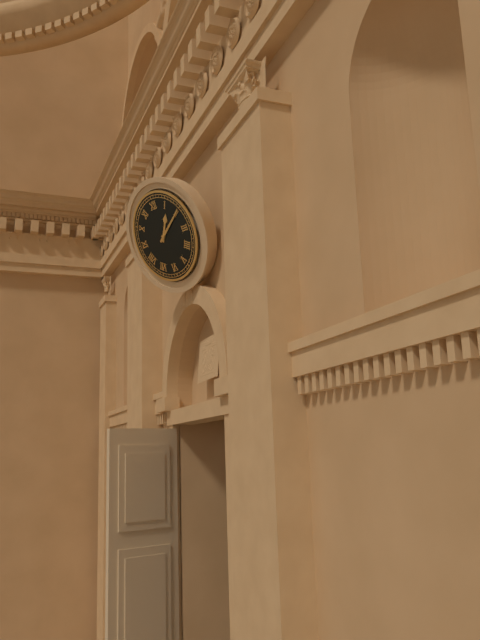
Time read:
**1:10**
